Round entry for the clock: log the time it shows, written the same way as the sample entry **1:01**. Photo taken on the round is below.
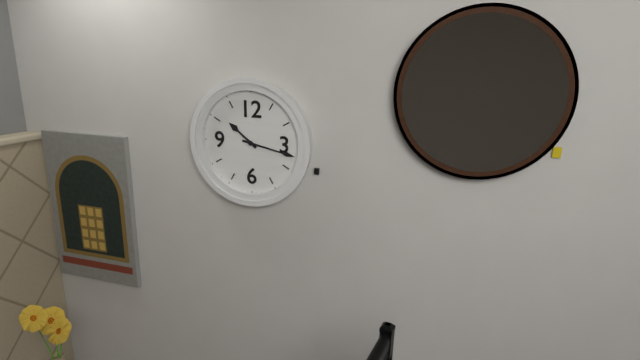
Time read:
**10:17**
